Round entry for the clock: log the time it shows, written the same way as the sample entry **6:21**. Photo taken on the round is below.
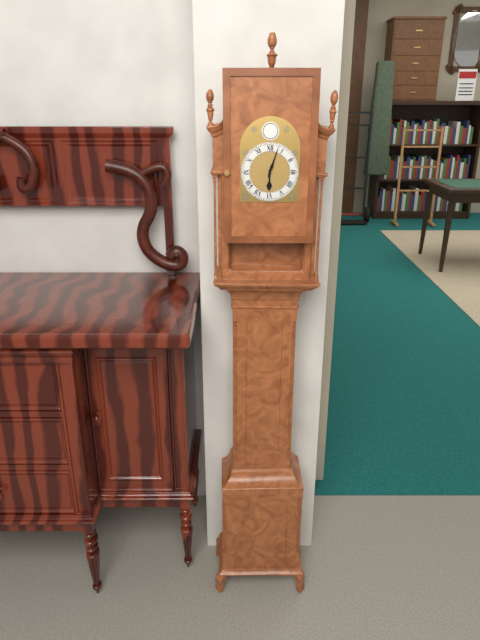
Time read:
**6:03**
